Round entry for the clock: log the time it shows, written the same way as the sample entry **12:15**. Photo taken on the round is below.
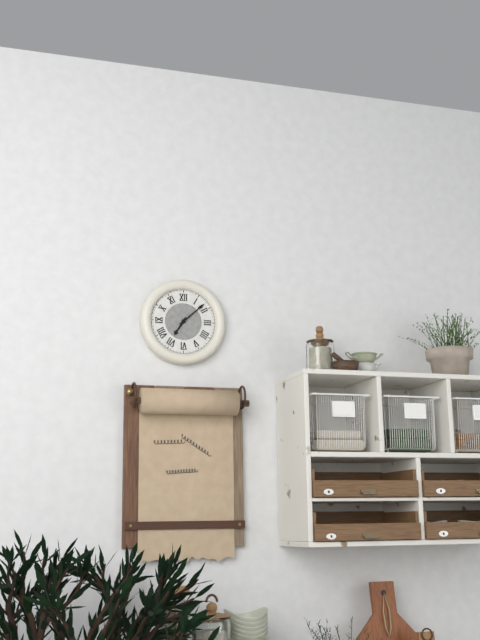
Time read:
**7:08**
